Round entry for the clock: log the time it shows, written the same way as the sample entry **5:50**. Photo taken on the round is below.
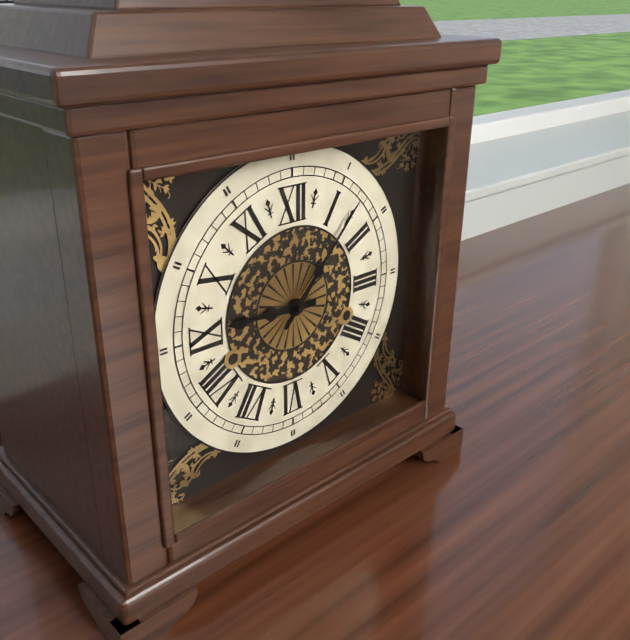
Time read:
**9:07**
